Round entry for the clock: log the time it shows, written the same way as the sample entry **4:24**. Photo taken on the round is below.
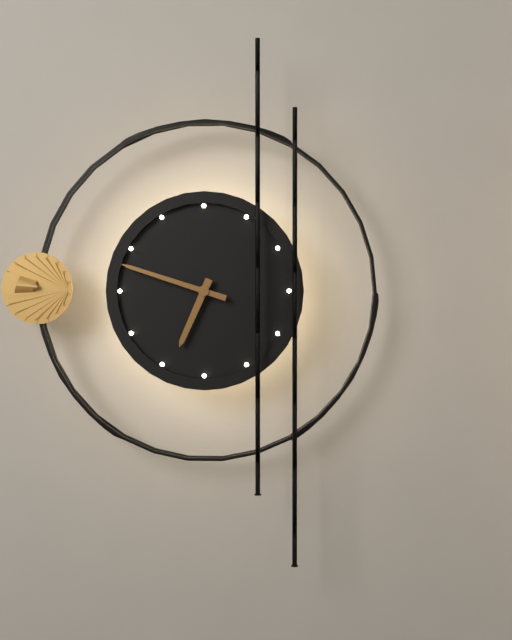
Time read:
**6:48**
